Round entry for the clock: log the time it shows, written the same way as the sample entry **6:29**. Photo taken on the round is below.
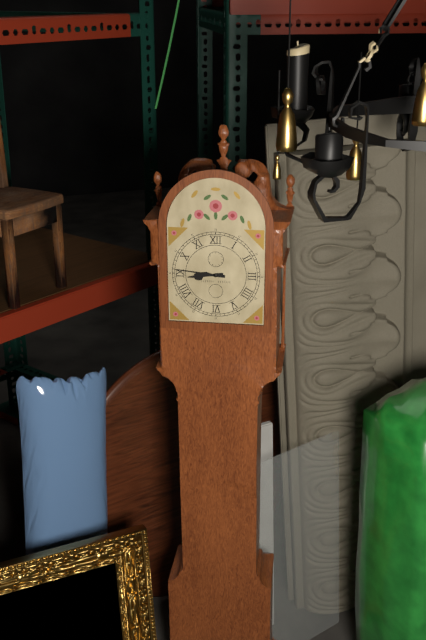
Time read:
**8:46**
